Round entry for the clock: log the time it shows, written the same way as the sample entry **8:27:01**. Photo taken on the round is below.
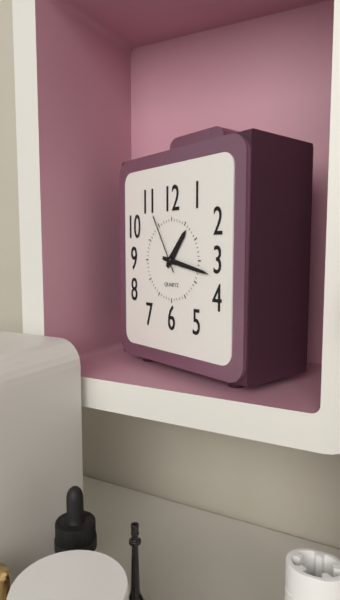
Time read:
**1:17:55**
